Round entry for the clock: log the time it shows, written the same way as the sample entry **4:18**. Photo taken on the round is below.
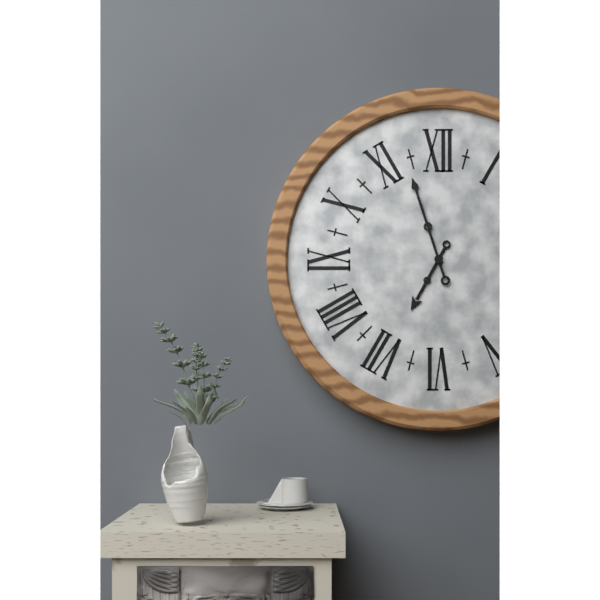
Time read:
**6:57**
